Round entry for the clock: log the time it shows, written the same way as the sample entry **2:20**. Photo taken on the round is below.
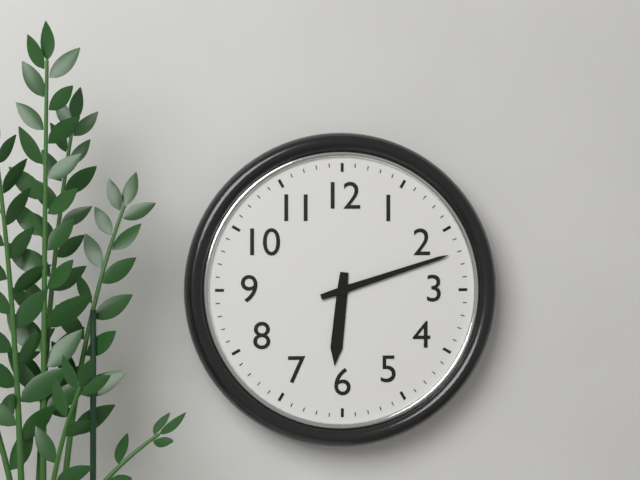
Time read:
**6:12**
